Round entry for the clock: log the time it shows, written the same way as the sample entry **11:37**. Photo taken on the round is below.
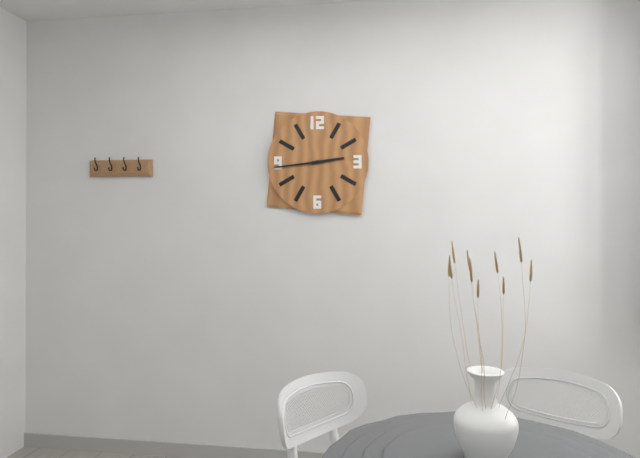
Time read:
**2:44**
